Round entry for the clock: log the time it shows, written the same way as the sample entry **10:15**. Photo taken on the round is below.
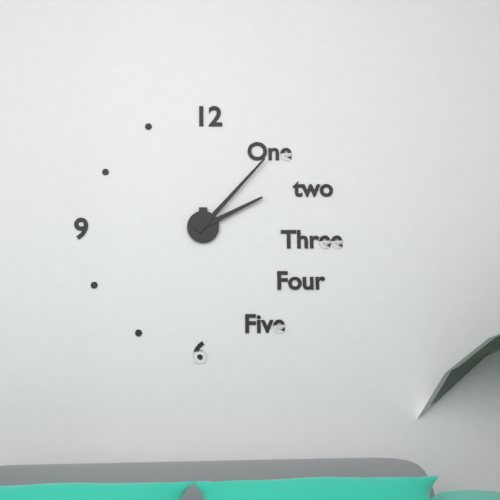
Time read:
**2:07**
